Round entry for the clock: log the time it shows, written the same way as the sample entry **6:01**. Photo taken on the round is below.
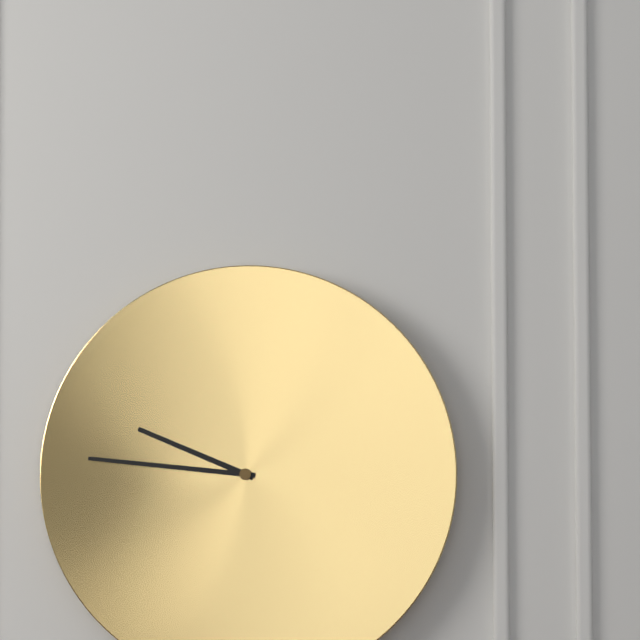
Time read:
**9:46**
